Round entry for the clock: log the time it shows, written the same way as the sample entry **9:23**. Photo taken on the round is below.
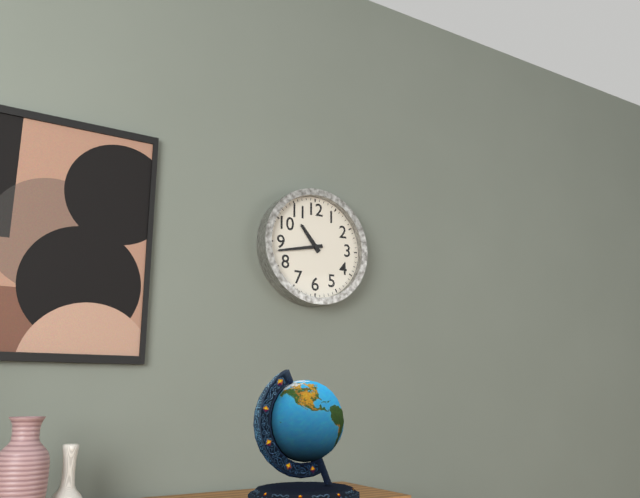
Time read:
**10:43**
